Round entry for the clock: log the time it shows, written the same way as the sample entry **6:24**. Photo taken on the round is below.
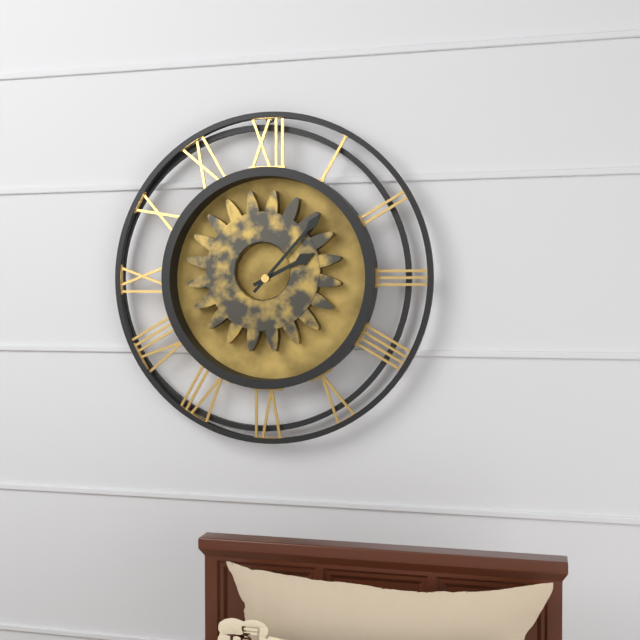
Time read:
**2:07**
